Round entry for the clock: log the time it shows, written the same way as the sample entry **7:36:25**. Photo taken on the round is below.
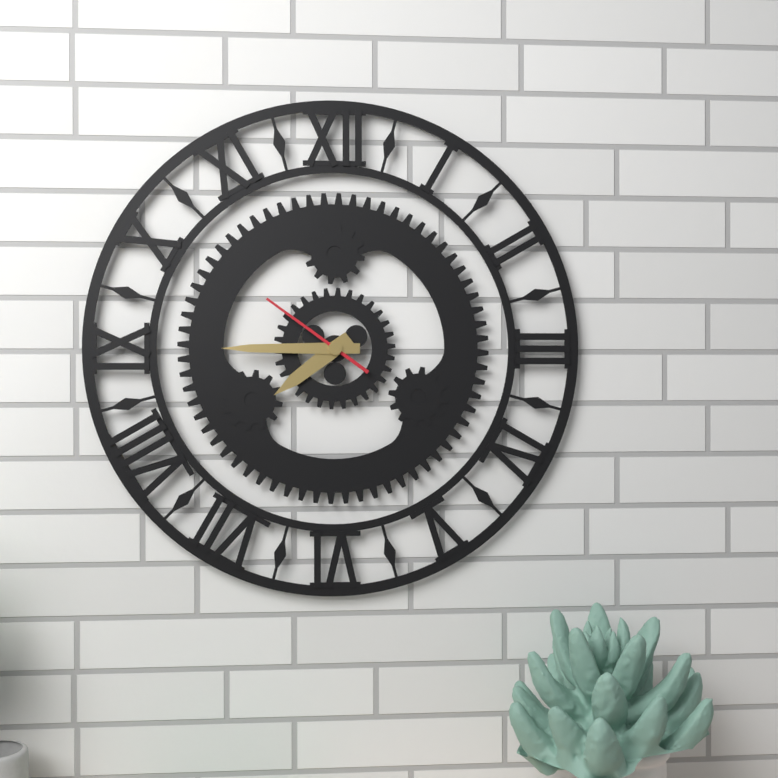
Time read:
**7:45:51**
